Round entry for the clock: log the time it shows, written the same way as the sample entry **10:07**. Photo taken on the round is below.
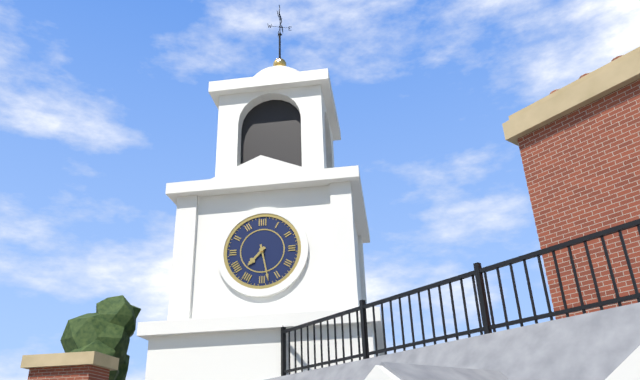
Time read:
**7:28**
